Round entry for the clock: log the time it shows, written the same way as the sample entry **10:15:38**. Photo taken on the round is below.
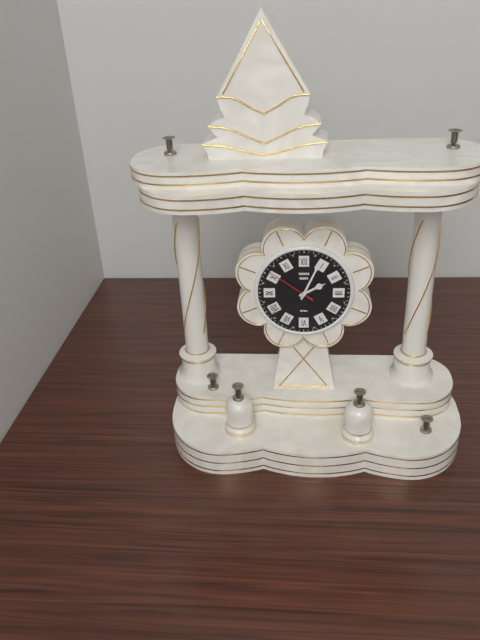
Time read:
**2:04:51**
